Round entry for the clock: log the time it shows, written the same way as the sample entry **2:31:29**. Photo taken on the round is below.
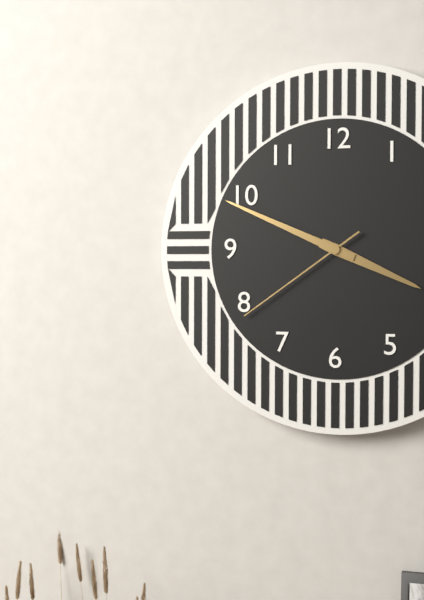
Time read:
**3:49:39**
